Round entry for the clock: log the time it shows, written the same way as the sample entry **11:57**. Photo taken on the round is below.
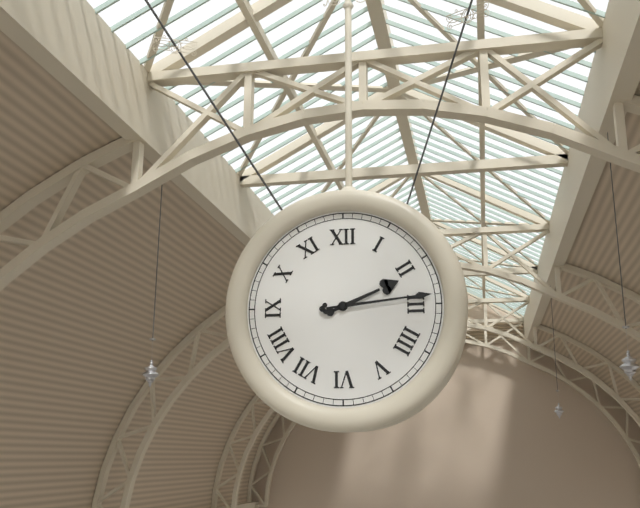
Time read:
**2:14**
